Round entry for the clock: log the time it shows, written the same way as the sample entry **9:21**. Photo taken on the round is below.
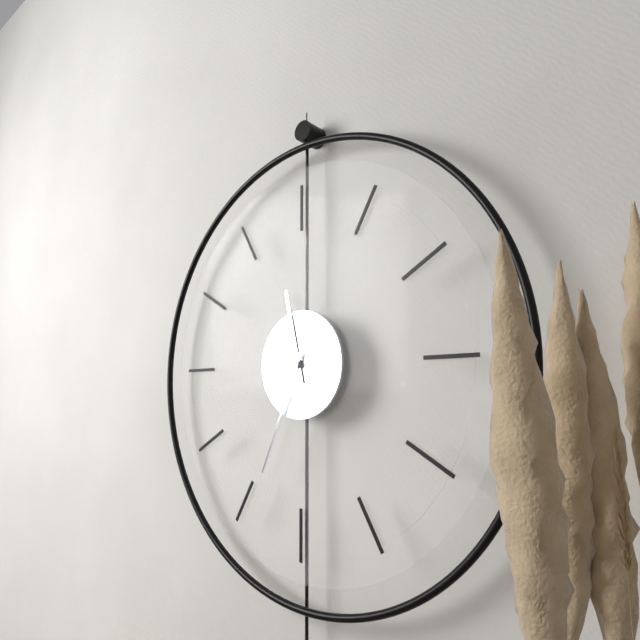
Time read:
**11:34**
